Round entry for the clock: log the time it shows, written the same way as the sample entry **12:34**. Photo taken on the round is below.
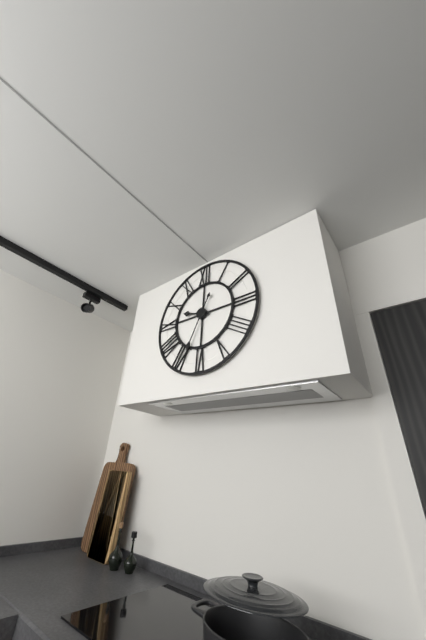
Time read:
**9:34**
